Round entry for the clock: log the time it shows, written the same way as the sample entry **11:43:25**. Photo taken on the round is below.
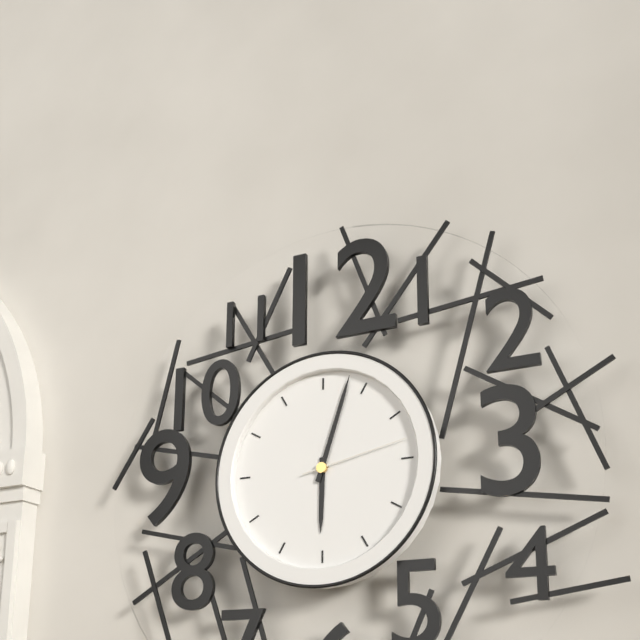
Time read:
**6:03:13**
